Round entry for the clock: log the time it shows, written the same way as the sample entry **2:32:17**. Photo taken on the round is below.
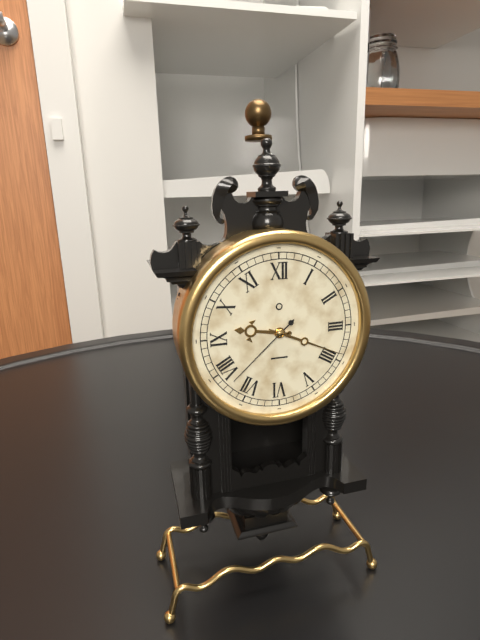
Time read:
**9:19:38**
